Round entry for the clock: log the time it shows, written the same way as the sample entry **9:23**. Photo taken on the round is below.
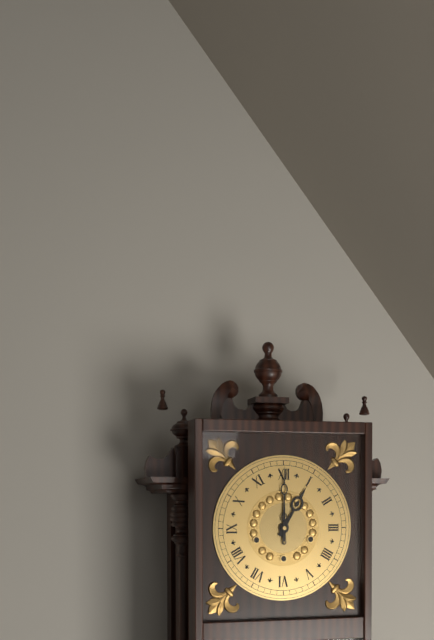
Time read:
**1:00**
